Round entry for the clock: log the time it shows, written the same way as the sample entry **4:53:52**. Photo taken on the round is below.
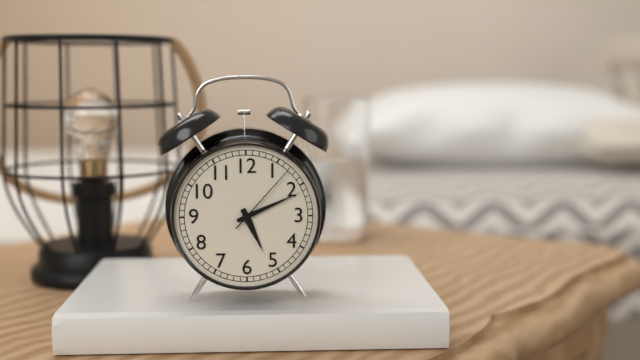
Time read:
**5:11:07**
